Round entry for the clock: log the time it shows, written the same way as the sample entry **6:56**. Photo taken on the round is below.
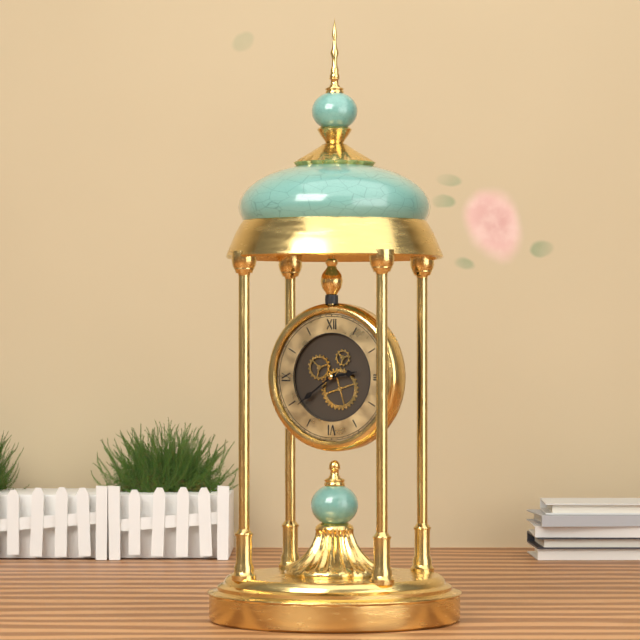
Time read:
**2:39**
